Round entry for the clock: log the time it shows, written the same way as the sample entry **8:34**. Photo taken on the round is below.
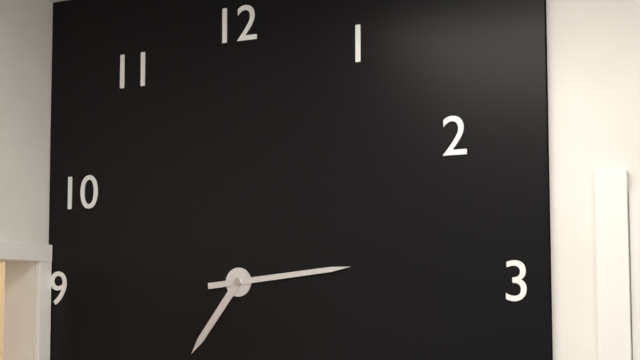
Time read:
**7:14**
